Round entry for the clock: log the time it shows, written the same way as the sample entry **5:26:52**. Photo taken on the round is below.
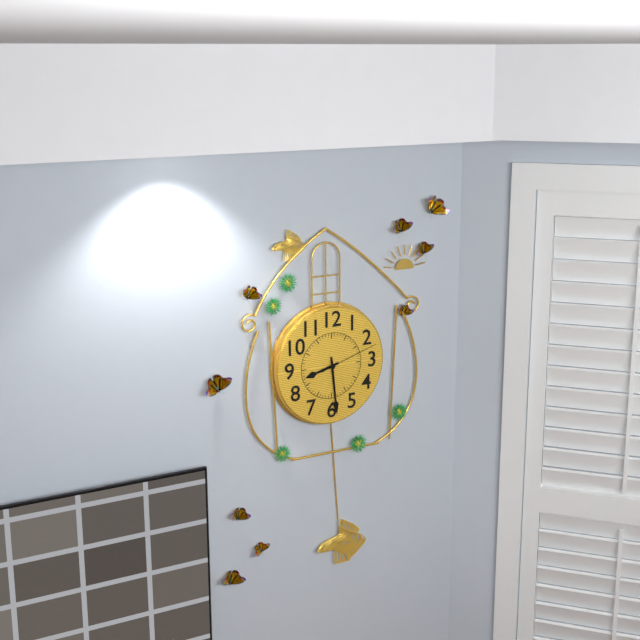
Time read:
**8:29:12**
